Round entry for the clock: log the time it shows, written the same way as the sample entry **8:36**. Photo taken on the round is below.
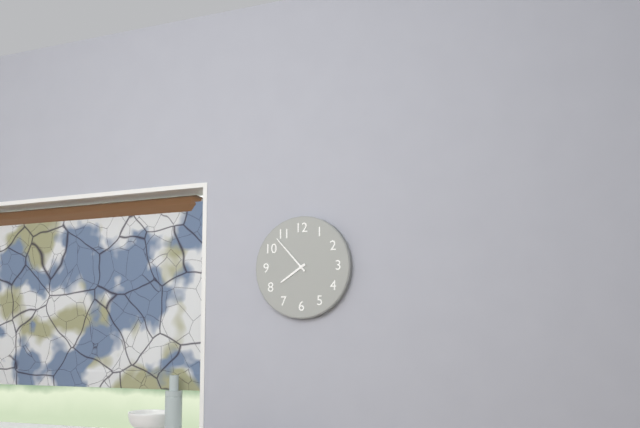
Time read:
**7:53**
